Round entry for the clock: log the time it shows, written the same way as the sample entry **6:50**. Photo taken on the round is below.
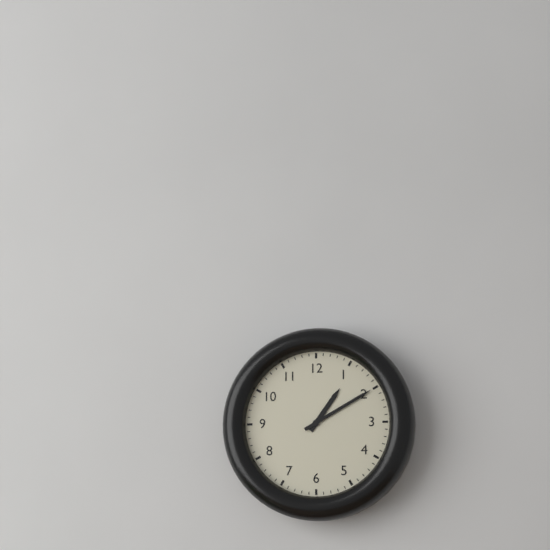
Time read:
**1:10**
